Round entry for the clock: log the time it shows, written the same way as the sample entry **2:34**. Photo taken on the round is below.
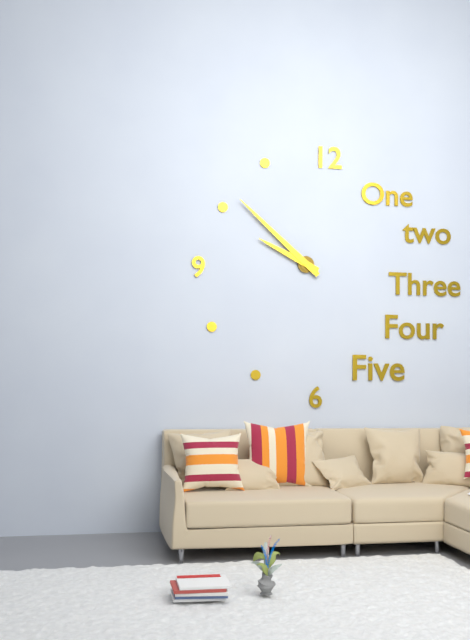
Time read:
**9:52**
